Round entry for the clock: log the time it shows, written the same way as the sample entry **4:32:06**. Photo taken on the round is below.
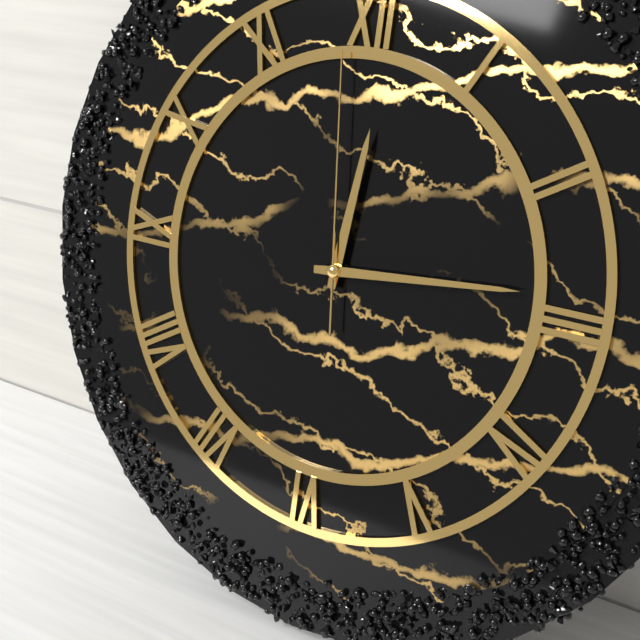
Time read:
**12:14:59**
